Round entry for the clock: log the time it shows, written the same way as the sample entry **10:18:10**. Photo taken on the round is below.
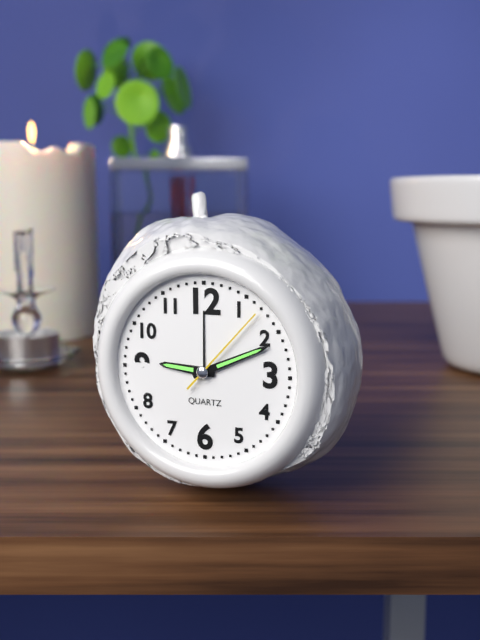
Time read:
**9:11:07**
